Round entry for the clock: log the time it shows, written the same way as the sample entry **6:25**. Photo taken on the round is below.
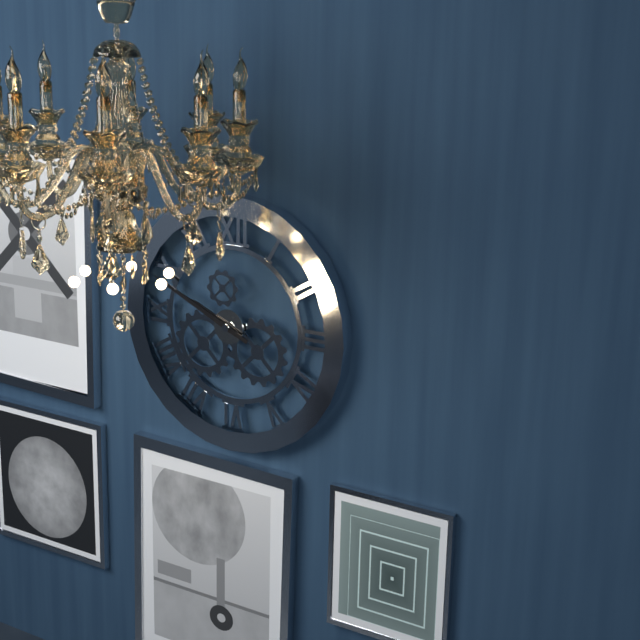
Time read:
**9:49**
